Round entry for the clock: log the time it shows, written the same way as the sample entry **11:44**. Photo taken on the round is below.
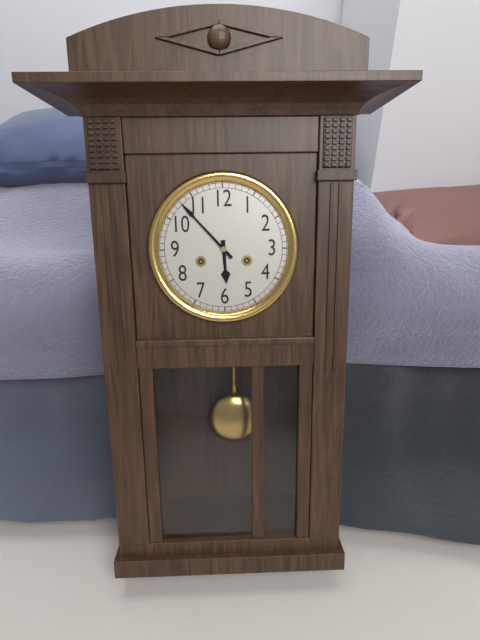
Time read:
**5:53**
